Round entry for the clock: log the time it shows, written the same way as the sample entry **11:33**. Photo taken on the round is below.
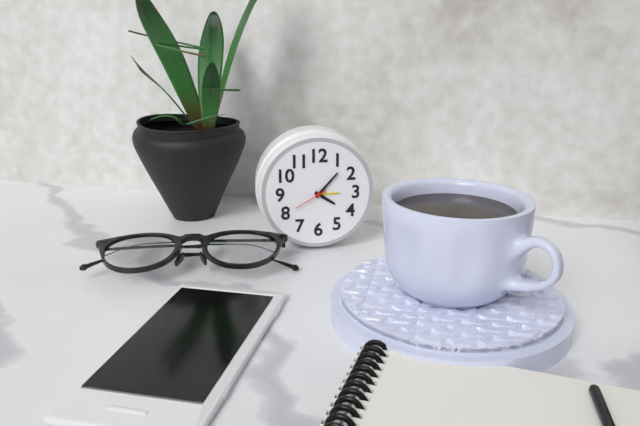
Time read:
**4:07**
